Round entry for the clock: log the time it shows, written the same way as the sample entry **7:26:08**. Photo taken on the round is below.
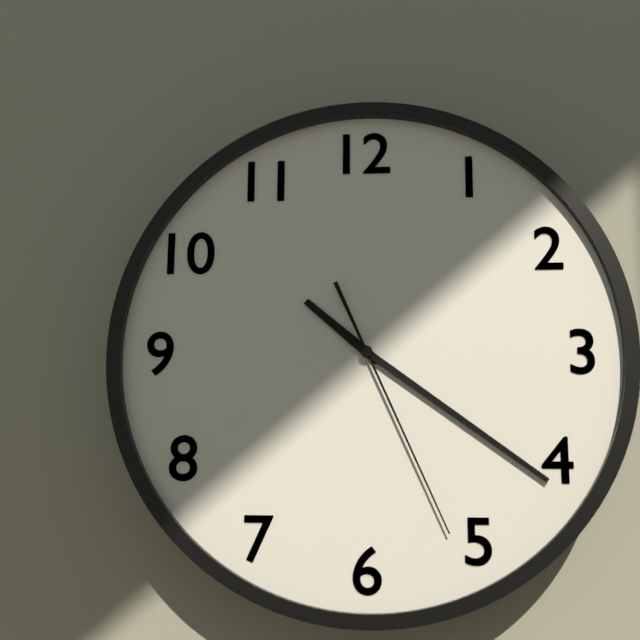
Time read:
**10:21:26**
